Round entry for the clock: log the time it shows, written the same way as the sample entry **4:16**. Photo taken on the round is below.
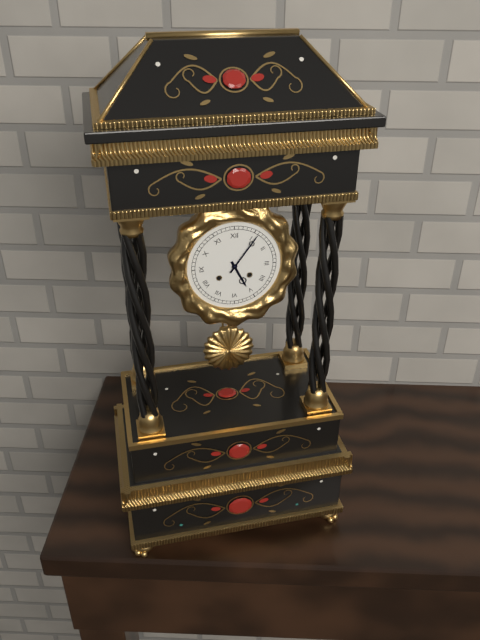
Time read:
**5:06**
